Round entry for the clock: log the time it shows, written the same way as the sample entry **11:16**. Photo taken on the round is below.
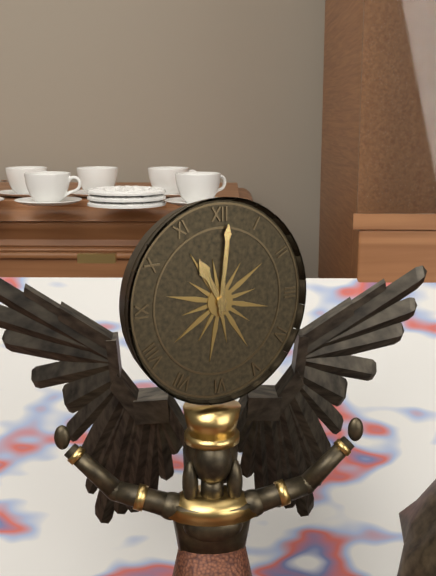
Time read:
**11:01**
